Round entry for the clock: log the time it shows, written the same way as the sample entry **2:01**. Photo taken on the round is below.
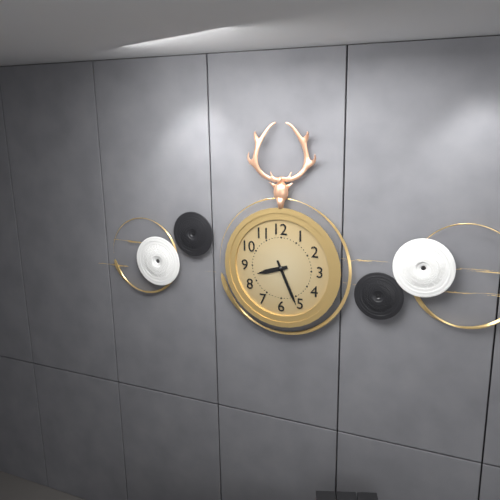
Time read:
**8:26**
